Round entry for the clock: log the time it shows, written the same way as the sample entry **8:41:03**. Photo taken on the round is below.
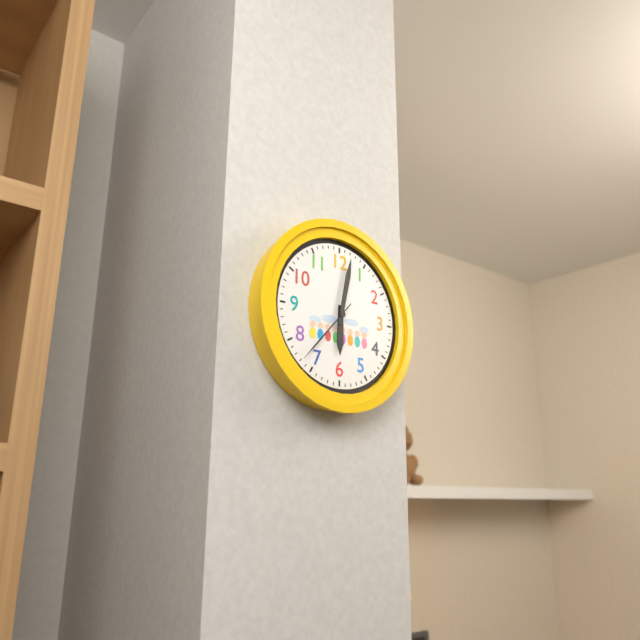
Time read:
**6:02:37**
